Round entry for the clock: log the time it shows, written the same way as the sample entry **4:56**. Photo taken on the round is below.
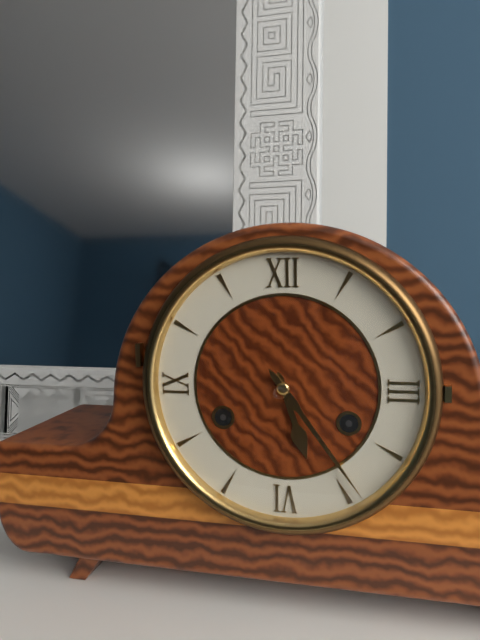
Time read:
**5:24**
